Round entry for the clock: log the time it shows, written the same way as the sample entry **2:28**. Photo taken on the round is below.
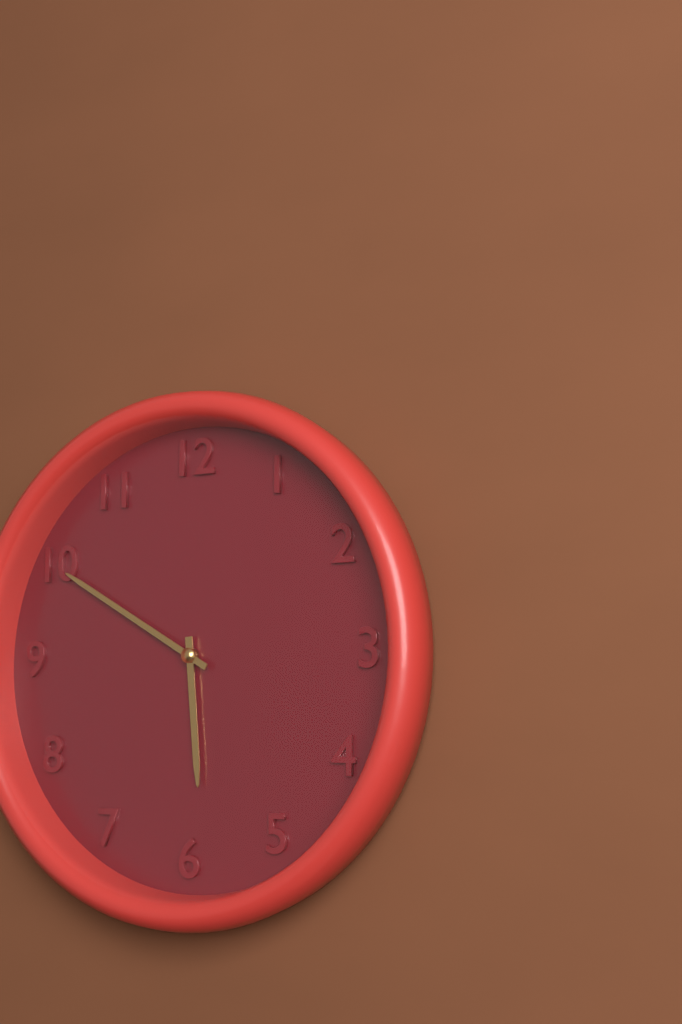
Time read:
**5:50**
